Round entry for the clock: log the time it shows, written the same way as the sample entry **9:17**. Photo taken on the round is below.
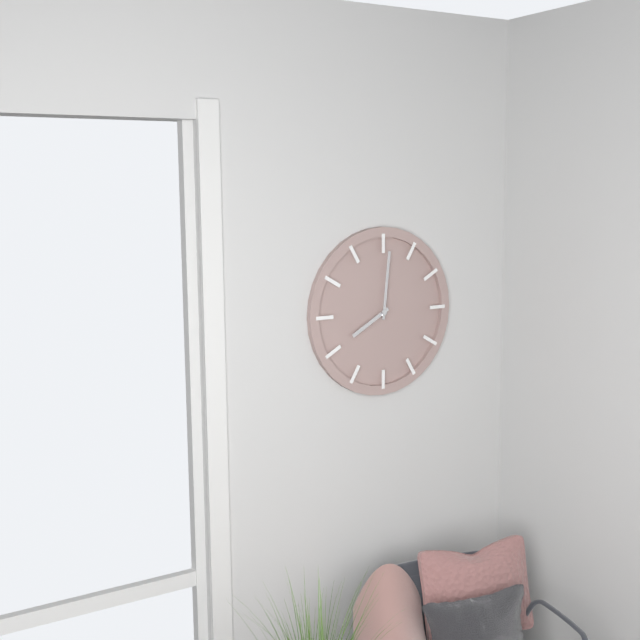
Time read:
**8:01**
